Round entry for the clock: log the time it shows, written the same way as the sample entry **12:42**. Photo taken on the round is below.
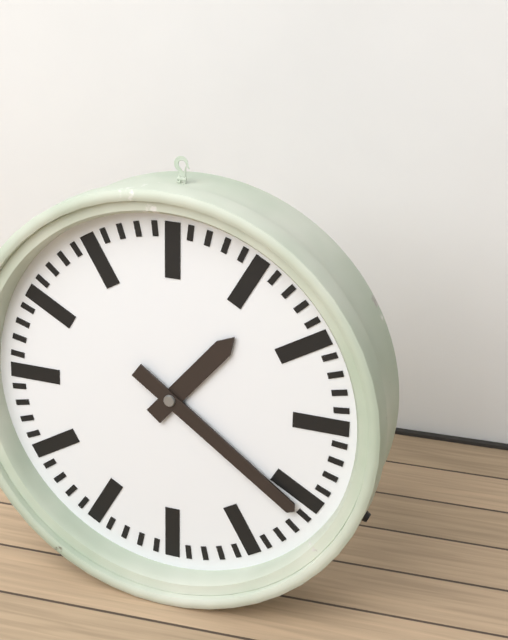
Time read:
**1:21**
